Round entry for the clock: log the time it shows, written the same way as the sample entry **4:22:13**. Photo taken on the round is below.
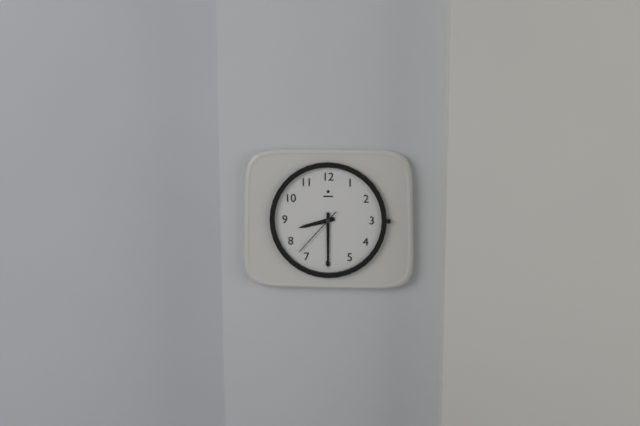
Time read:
**8:30:37**
